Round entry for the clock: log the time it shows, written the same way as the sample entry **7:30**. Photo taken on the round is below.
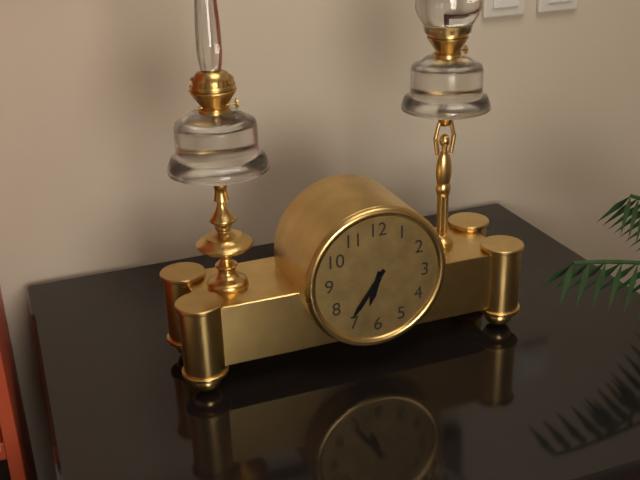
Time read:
**6:36**
